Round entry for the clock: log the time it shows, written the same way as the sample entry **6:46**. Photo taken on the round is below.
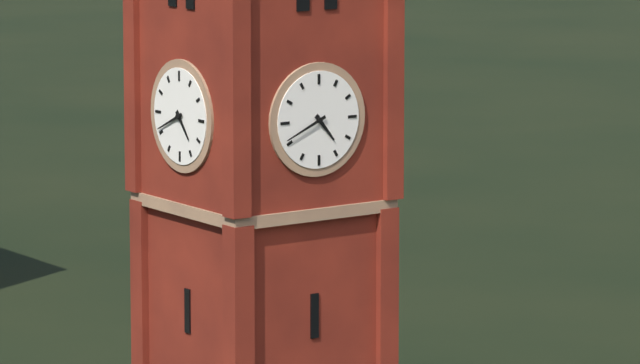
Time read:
**4:41**
